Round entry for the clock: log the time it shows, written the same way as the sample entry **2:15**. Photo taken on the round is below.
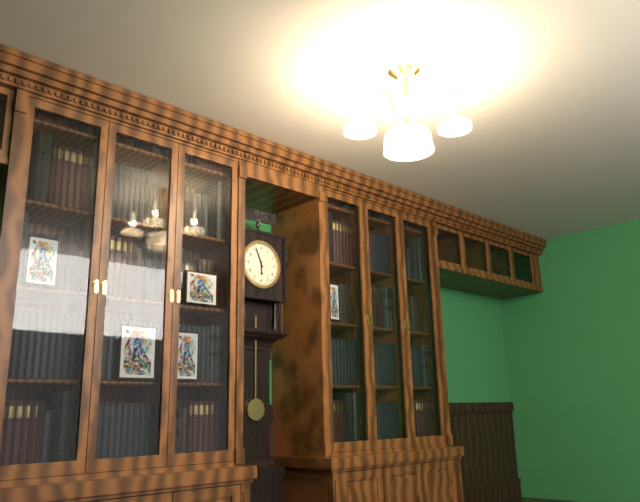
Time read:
**5:56**
